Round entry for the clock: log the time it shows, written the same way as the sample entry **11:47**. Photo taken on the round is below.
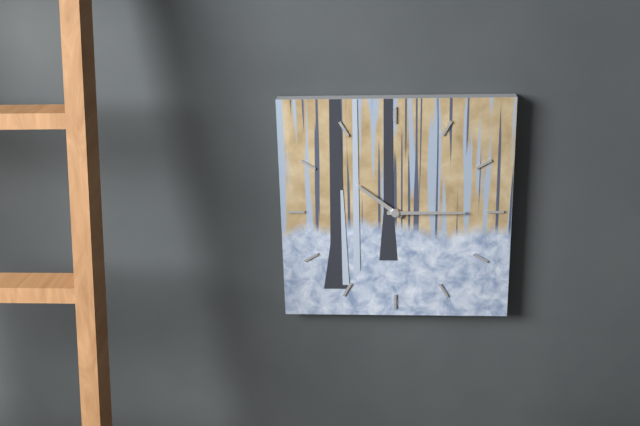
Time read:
**10:15**
